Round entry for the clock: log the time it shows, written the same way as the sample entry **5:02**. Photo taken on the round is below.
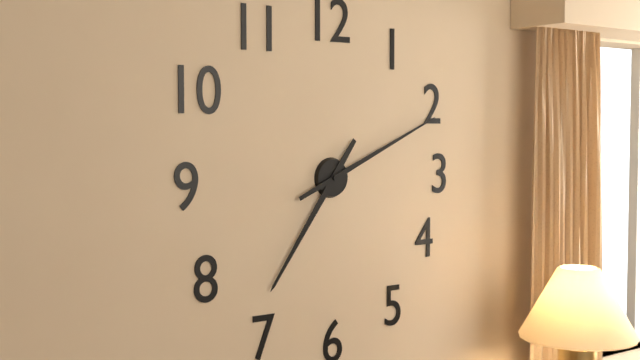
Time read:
**7:11**
